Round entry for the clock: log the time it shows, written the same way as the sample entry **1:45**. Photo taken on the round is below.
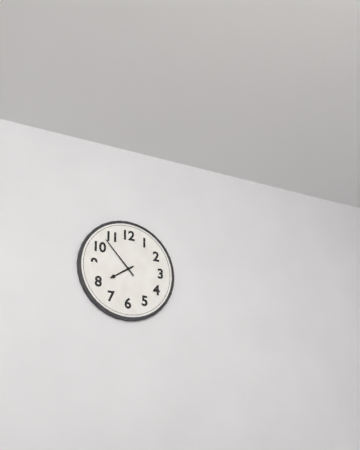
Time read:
**7:53**
